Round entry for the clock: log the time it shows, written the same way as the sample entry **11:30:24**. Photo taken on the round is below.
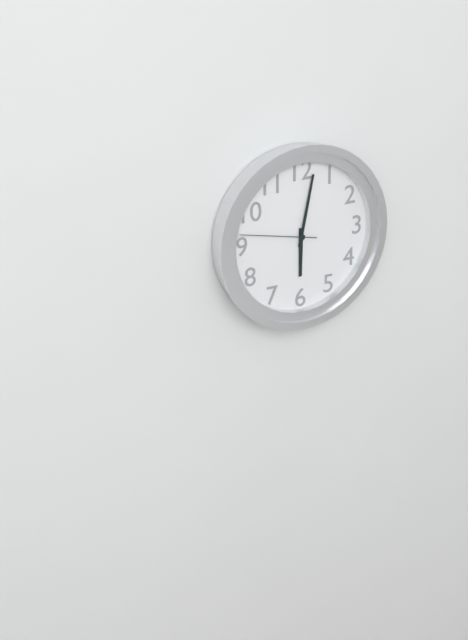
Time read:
**6:02:47**
